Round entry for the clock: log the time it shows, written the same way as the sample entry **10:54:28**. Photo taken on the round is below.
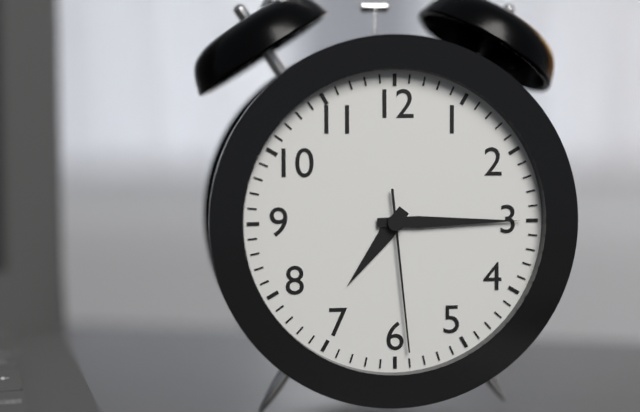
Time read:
**7:15:29**
